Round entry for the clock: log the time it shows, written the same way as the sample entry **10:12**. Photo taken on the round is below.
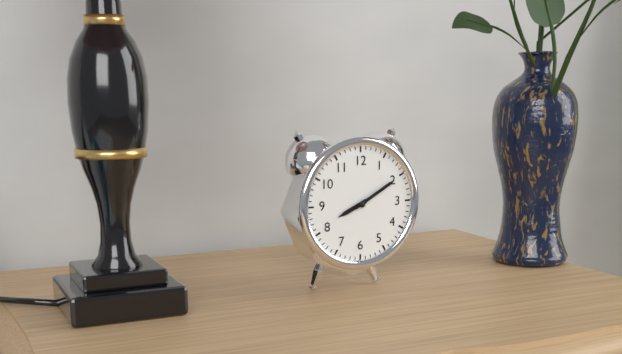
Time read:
**8:10**
